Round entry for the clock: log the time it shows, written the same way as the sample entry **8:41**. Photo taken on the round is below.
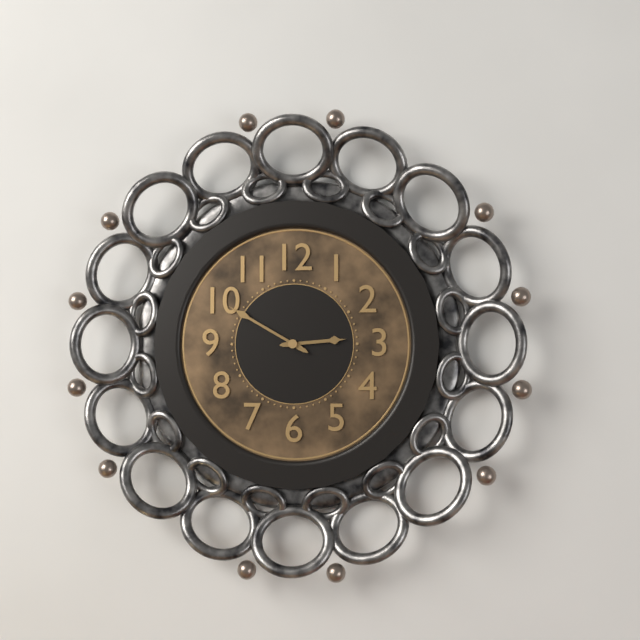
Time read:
**2:50**
